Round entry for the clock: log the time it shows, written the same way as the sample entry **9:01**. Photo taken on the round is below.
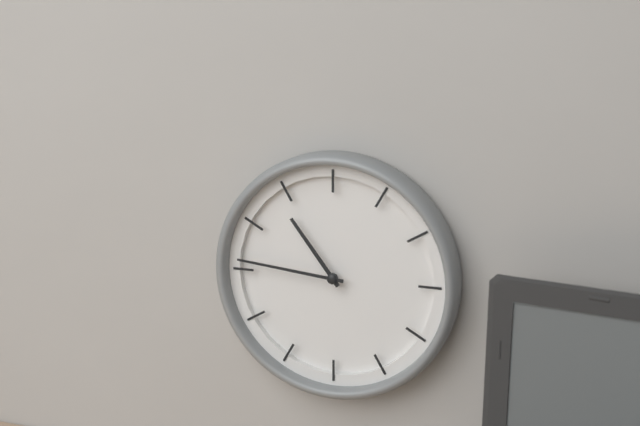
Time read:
**10:46**
